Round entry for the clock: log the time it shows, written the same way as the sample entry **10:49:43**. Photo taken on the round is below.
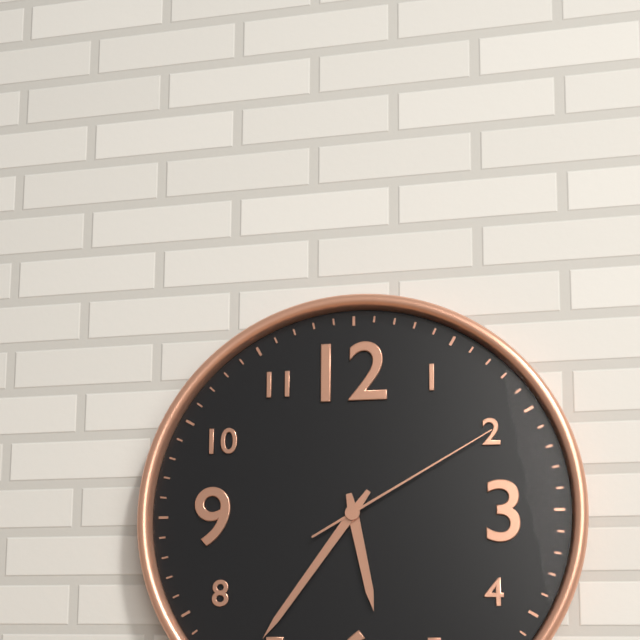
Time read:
**5:36:10**
